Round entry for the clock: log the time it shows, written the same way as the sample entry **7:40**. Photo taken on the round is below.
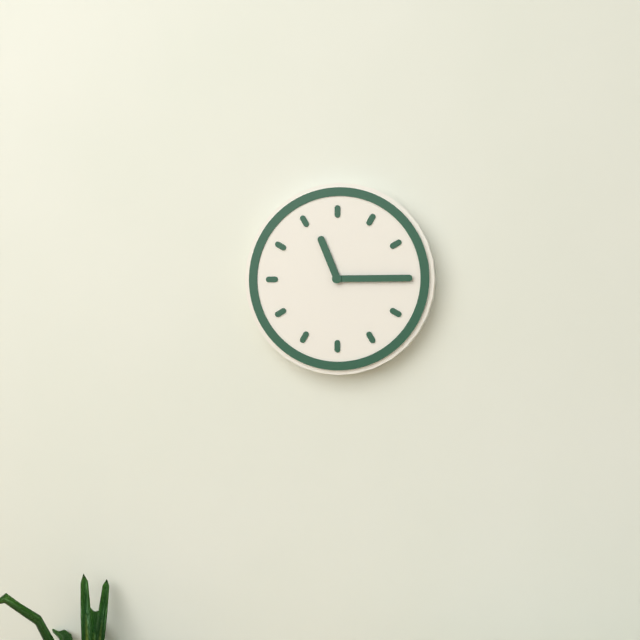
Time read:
**11:15**
